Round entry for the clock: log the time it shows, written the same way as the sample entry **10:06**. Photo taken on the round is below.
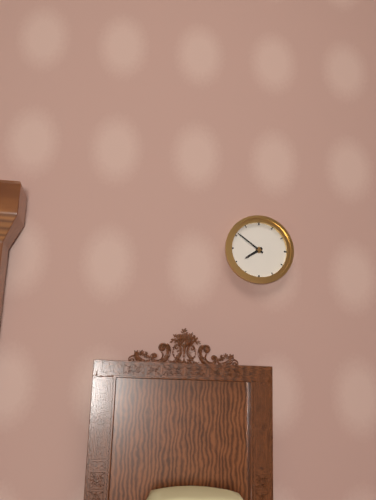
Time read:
**7:51**
